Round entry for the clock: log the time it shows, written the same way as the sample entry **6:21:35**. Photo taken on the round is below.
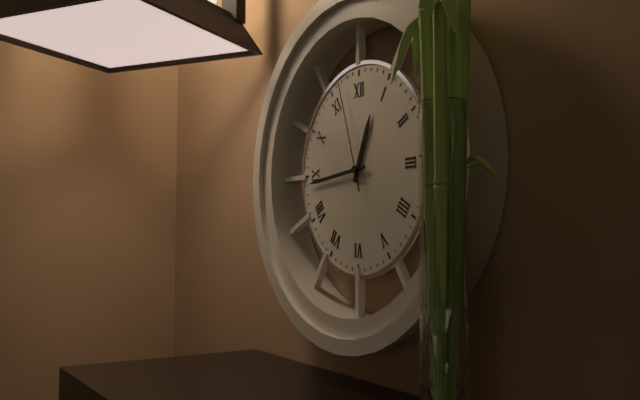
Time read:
**12:44:57**
